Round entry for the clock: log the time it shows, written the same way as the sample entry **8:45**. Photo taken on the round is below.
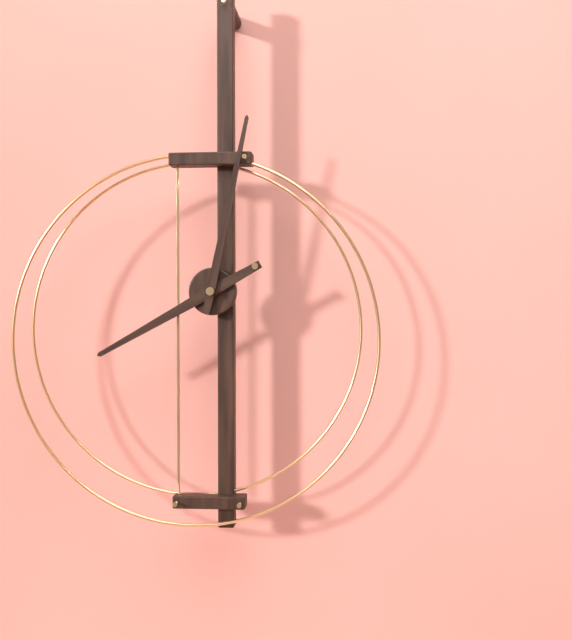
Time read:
**8:02**
